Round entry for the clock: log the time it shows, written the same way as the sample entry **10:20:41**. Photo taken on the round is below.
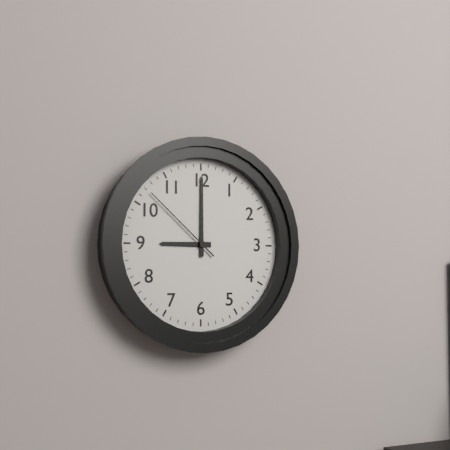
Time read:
**9:00:52**
